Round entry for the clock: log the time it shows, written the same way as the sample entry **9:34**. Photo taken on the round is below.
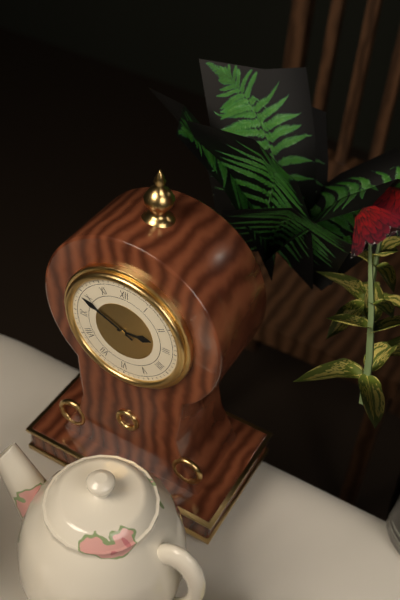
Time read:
**2:49**
